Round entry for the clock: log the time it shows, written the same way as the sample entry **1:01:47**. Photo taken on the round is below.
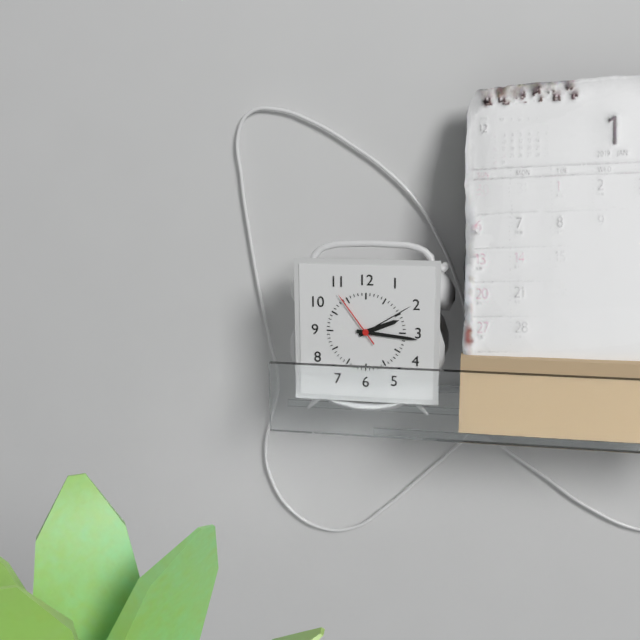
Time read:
**2:16:54**
